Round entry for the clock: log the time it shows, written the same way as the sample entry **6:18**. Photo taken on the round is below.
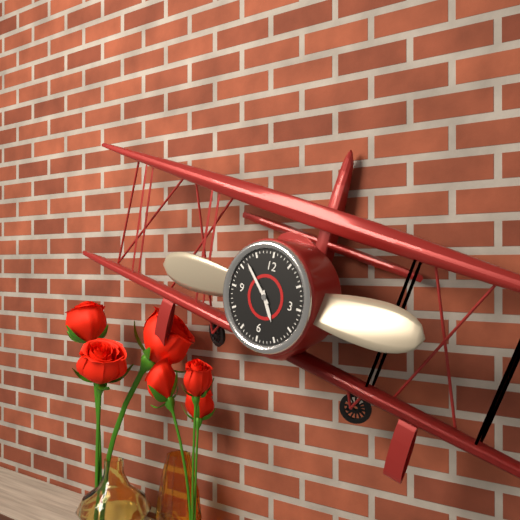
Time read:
**4:52**
